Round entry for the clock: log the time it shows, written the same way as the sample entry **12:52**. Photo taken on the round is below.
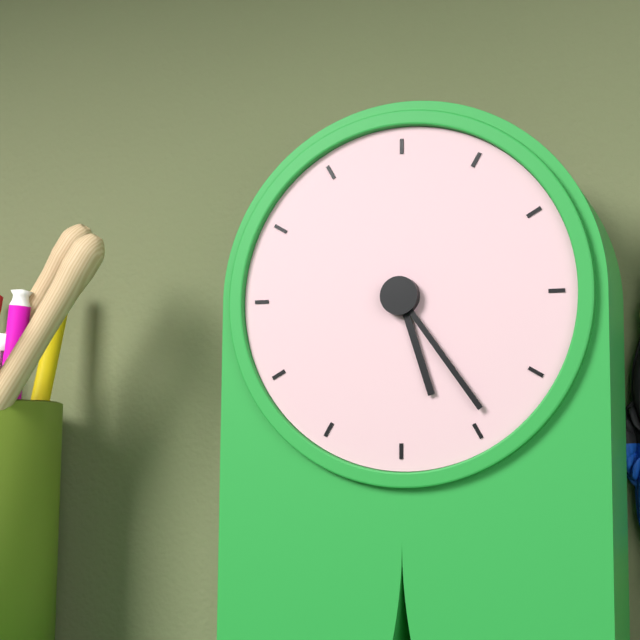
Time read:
**5:24**
